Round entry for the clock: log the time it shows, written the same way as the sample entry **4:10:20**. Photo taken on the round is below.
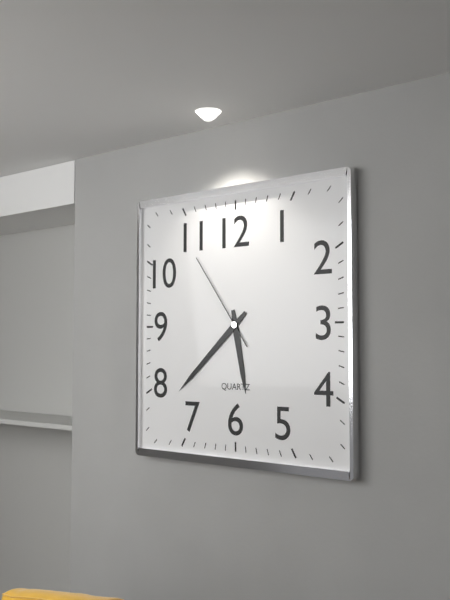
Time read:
**5:38:54**
